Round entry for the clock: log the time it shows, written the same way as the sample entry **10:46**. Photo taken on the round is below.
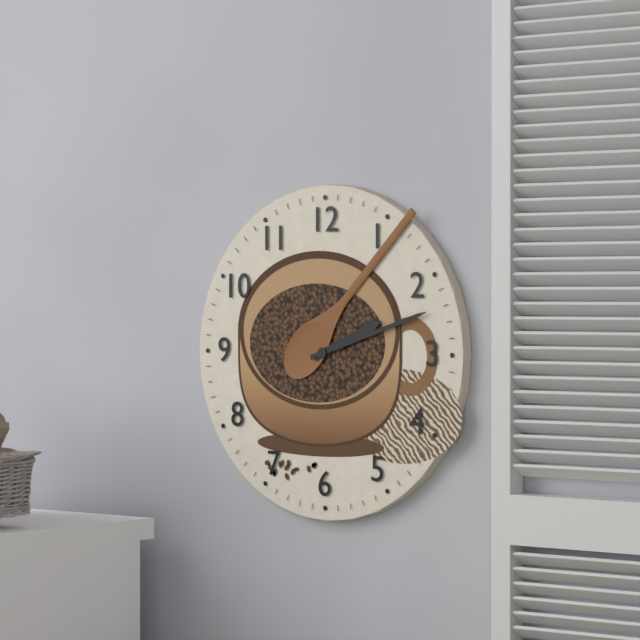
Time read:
**2:12**
